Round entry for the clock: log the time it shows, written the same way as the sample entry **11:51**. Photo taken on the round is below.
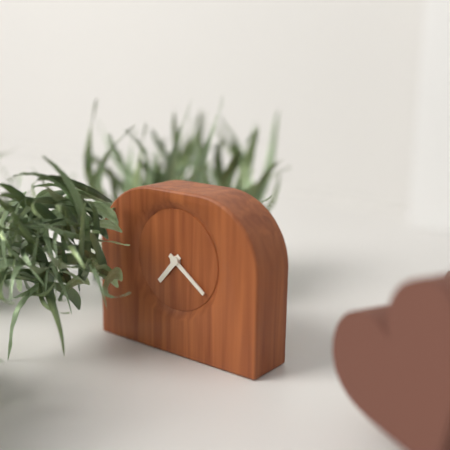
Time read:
**7:21**
